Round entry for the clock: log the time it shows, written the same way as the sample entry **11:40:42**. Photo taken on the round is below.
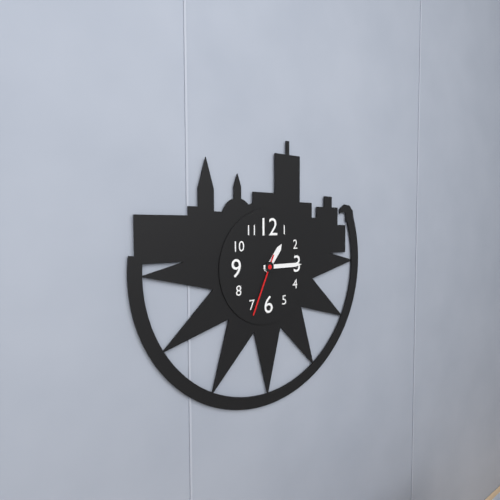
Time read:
**1:15:34**
